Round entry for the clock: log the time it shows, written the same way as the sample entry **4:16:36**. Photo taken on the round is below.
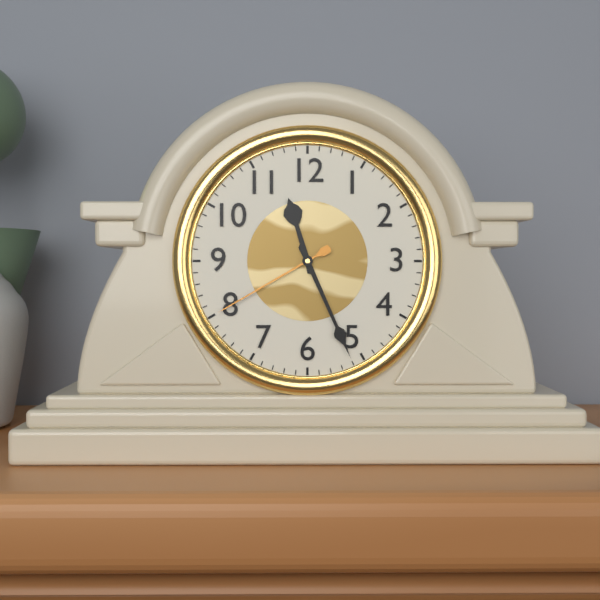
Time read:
**11:26:40**
